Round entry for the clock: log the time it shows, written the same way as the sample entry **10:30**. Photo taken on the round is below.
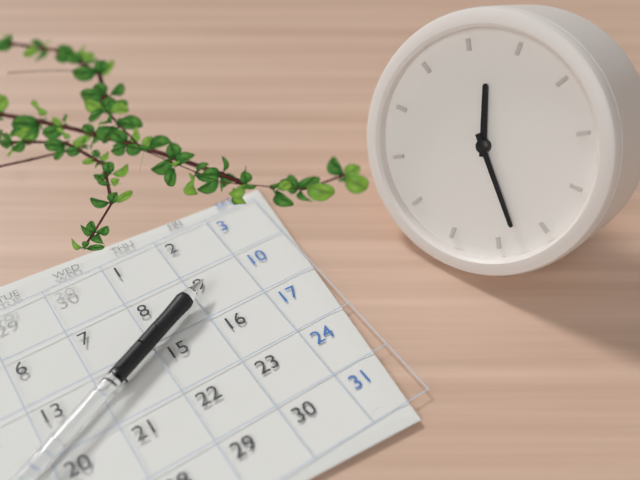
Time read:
**11:23**
